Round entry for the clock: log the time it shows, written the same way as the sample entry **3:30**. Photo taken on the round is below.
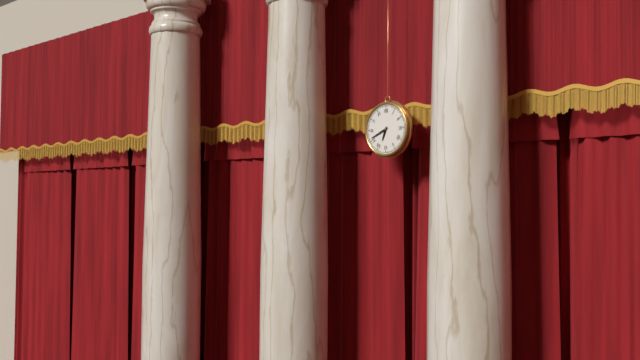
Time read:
**6:41**
